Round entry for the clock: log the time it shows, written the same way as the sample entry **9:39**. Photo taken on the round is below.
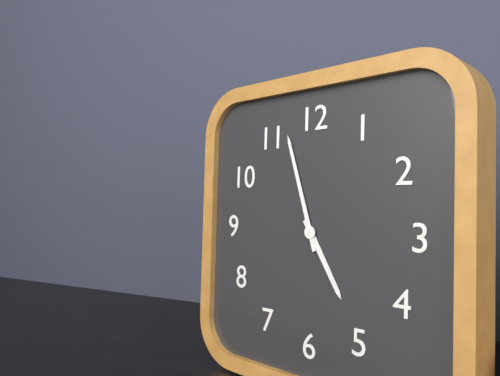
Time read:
**4:57**
